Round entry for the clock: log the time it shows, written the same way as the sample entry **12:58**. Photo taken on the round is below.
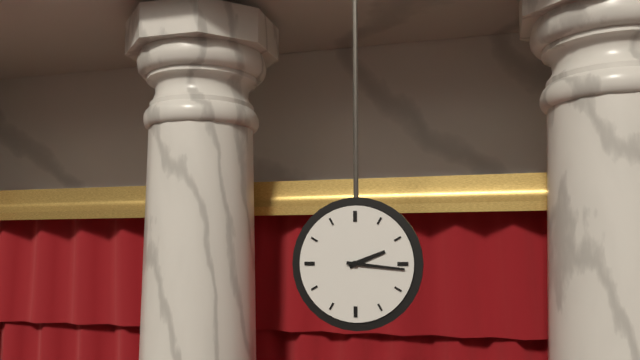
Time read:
**2:16**
